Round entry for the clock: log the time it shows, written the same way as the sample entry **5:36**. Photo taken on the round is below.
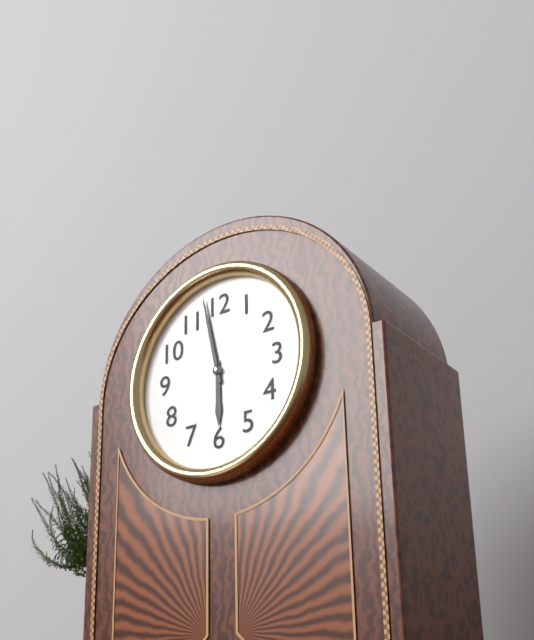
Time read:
**5:58**
